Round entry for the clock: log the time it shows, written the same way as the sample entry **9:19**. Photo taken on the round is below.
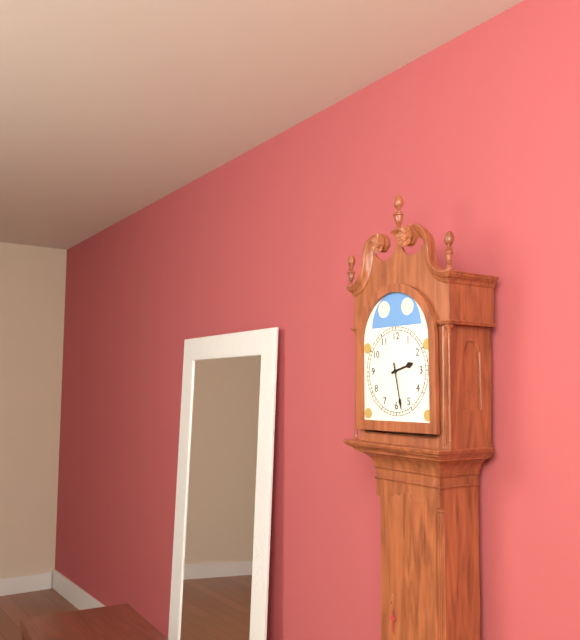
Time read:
**2:28**
